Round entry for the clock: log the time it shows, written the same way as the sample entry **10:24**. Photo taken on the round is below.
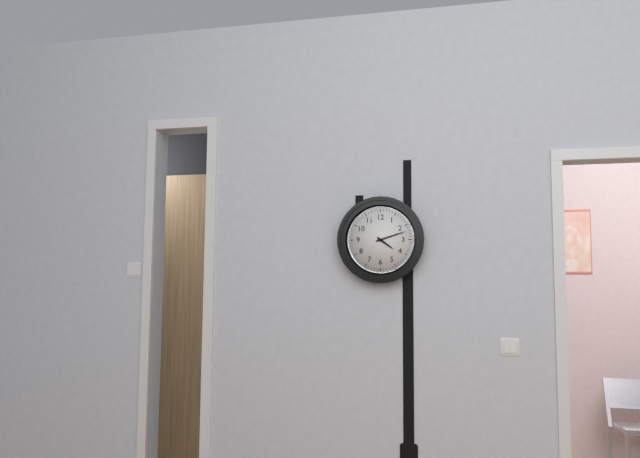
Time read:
**4:12**
